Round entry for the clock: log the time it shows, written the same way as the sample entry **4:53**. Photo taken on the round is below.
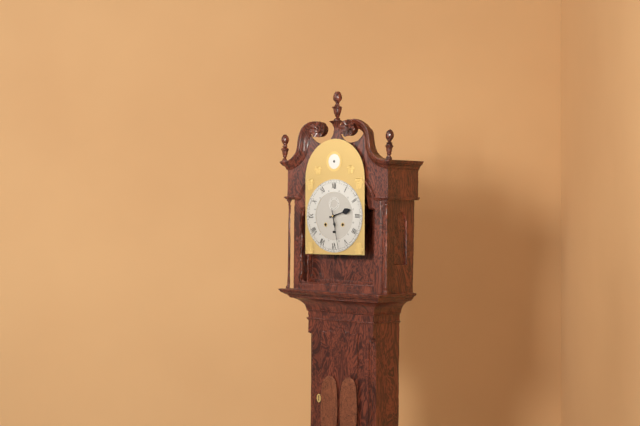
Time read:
**2:28**
